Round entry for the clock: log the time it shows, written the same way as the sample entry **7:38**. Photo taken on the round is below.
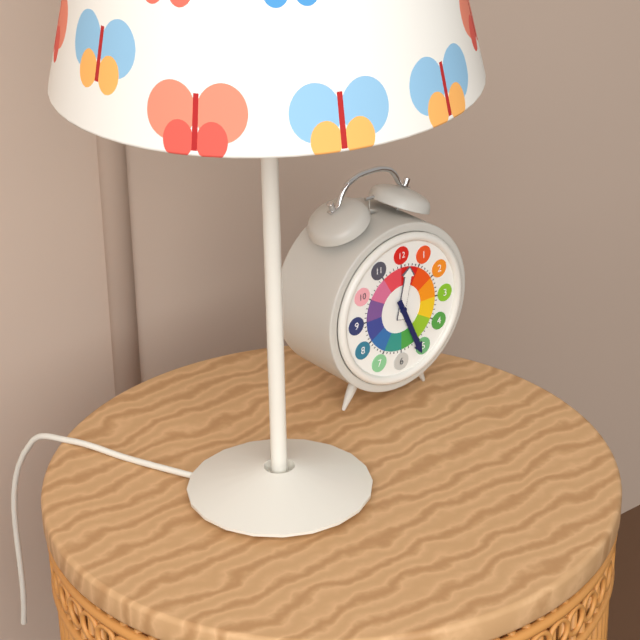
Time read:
**12:26**
